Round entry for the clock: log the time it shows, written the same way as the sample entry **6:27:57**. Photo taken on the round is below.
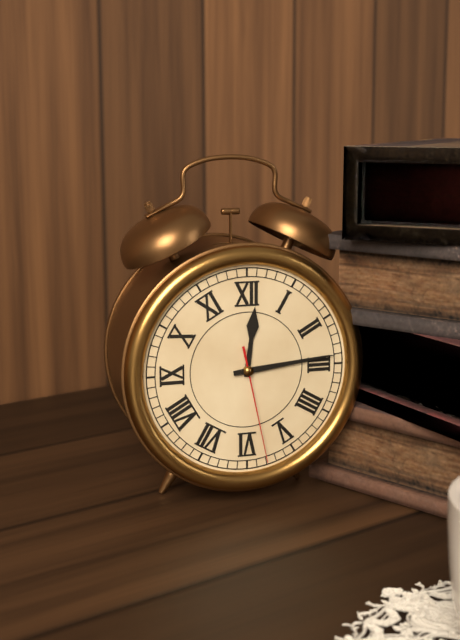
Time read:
**12:14:28**
